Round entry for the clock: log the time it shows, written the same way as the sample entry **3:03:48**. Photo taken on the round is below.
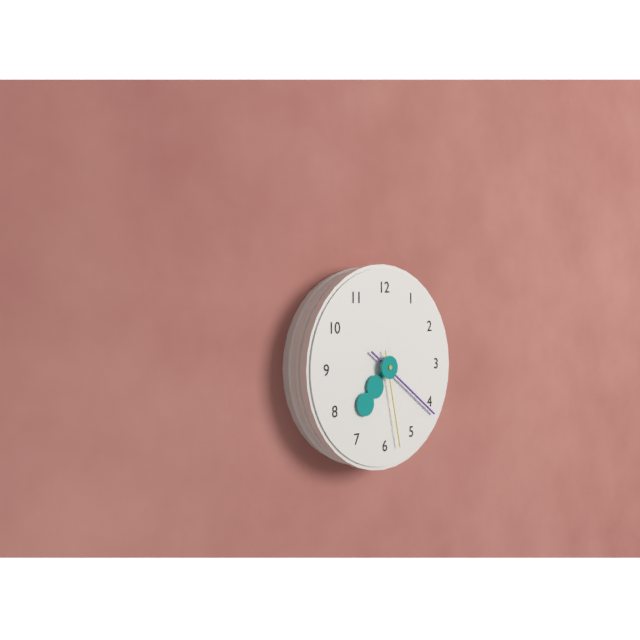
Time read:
**7:21:28**
